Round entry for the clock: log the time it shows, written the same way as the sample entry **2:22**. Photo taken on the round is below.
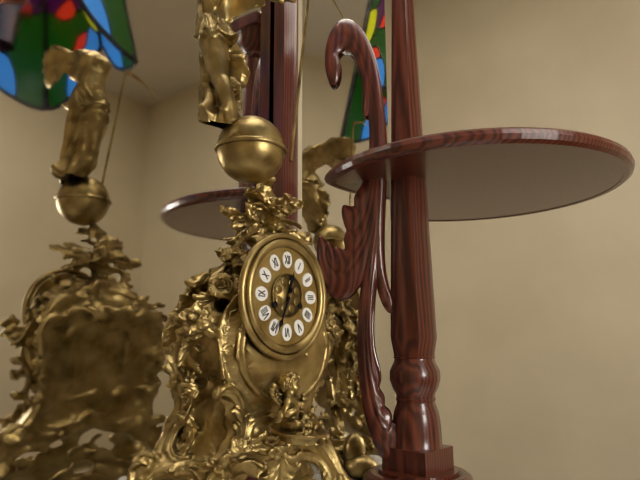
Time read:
**12:34**
